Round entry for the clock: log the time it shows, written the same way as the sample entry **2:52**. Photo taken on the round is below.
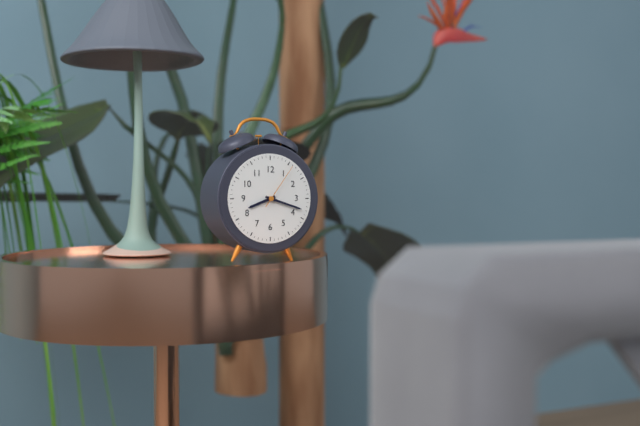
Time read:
**8:18**
